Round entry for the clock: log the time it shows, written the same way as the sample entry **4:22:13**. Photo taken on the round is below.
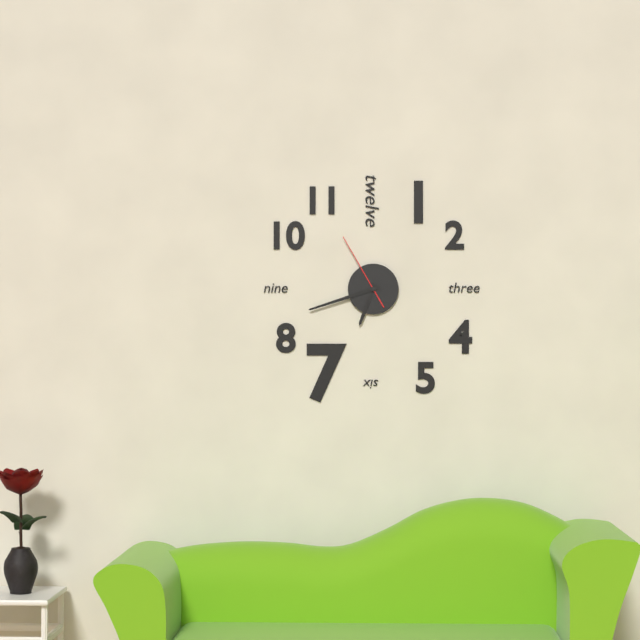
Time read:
**6:42:55**
